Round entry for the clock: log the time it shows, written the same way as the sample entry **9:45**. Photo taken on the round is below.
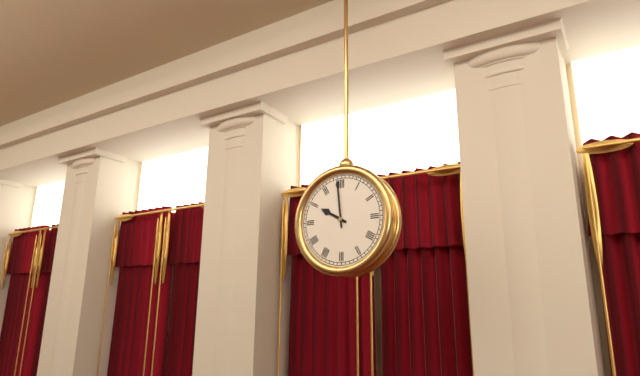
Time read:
**9:59**
